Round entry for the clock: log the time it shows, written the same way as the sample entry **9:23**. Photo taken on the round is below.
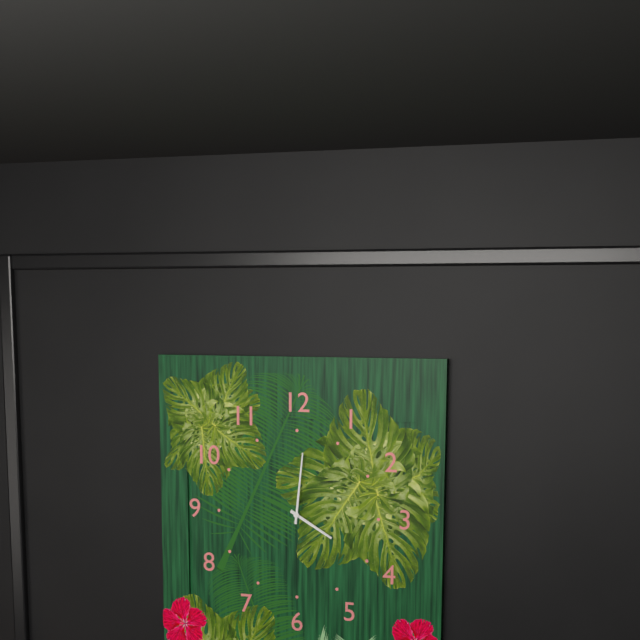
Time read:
**4:01**
